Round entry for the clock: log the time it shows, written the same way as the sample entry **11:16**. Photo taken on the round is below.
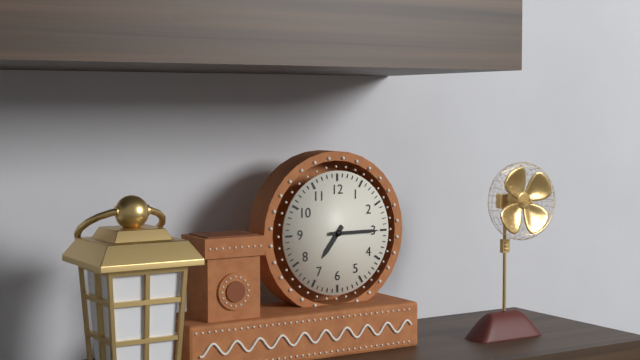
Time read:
**7:15**
